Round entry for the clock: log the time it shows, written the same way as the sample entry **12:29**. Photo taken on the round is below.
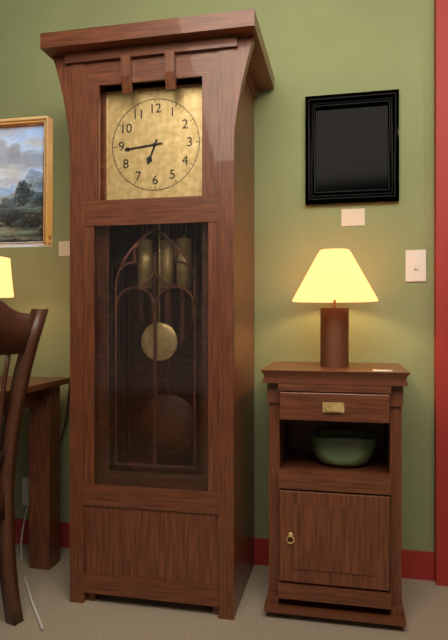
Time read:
**6:44**
